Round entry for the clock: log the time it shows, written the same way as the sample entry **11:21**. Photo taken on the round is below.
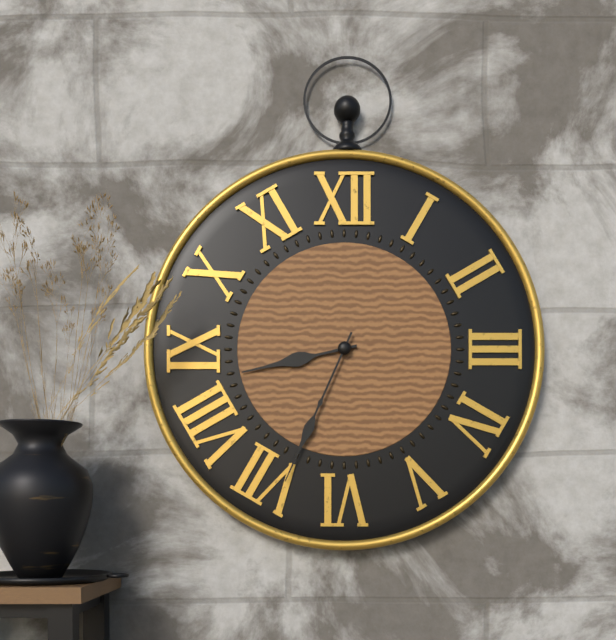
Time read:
**8:34**
